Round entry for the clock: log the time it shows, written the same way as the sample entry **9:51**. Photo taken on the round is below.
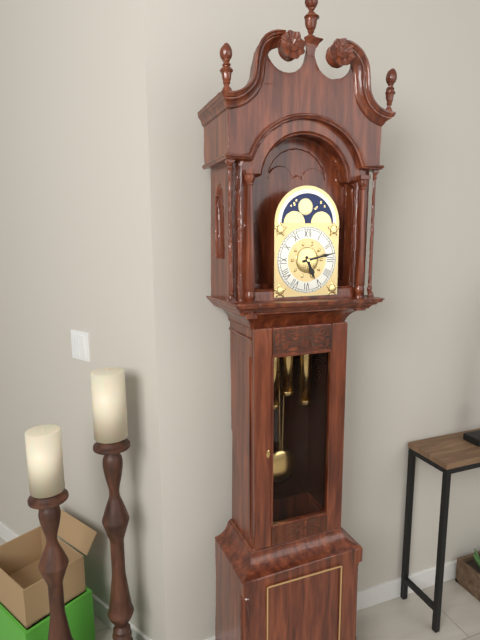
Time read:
**5:13**
